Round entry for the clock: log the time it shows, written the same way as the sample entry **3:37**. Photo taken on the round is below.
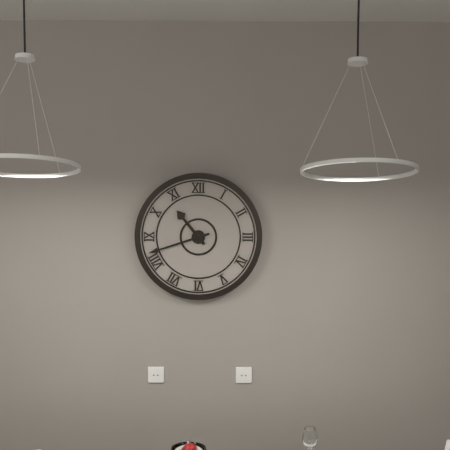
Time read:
**10:42**
